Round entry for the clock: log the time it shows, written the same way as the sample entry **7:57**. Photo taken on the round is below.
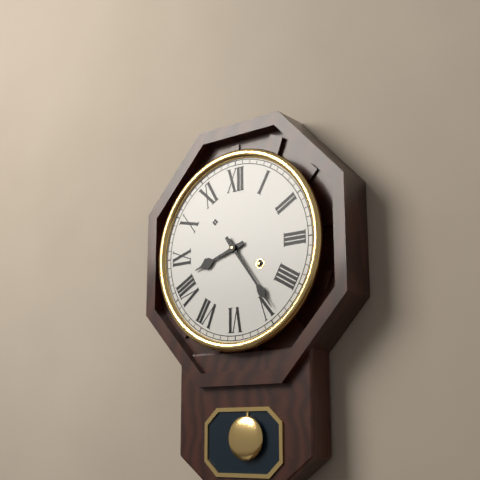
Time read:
**8:24**
